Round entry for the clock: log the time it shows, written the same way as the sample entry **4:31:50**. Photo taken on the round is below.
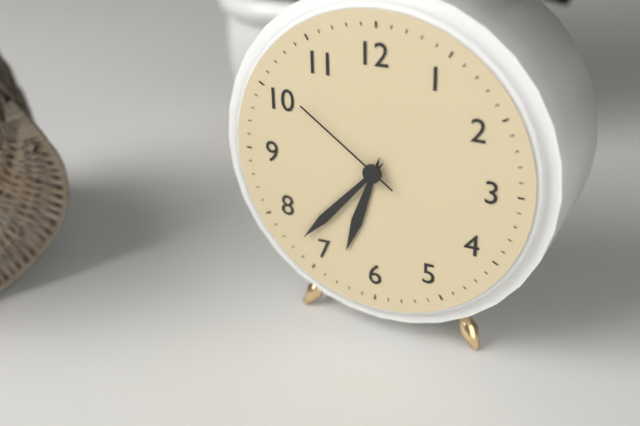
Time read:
**6:37:51**
